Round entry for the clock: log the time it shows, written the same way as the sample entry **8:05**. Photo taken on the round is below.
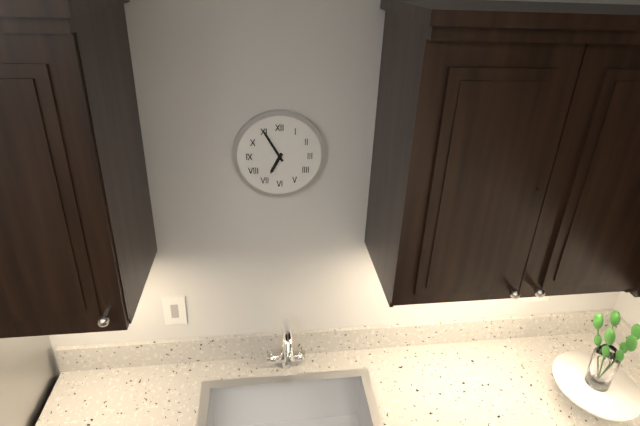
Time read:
**6:55**
